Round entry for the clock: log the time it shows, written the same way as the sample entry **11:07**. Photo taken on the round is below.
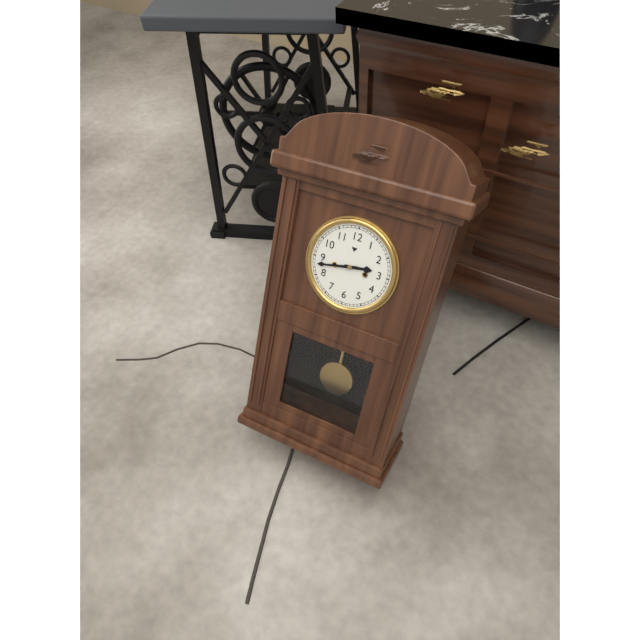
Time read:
**2:43**
